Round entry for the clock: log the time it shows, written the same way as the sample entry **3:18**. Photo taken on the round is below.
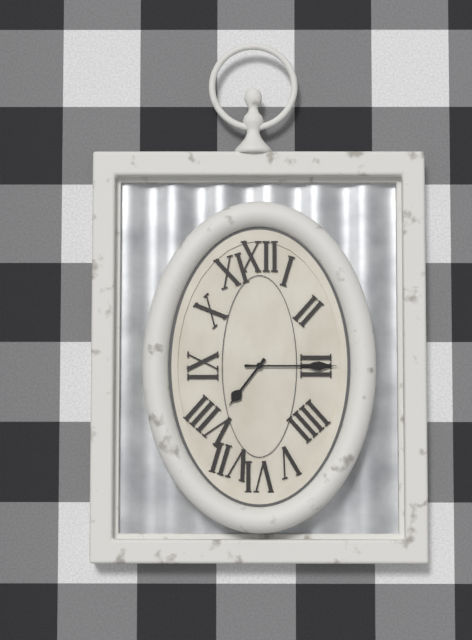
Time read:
**7:15**
